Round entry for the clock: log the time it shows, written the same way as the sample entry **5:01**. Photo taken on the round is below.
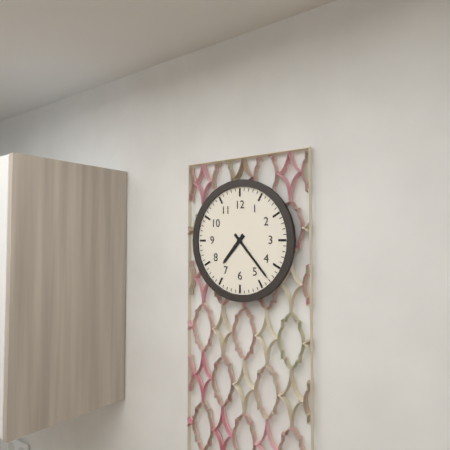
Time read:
**7:23**
